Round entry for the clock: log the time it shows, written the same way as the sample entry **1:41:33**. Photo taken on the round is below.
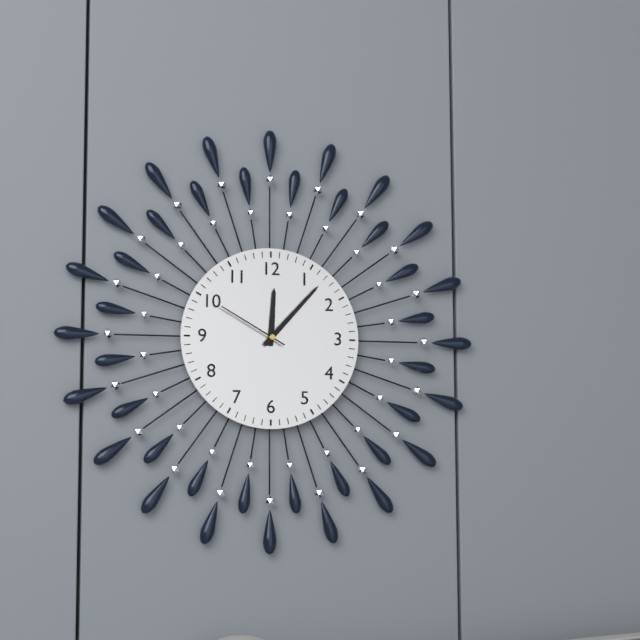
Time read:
**12:07:50**
